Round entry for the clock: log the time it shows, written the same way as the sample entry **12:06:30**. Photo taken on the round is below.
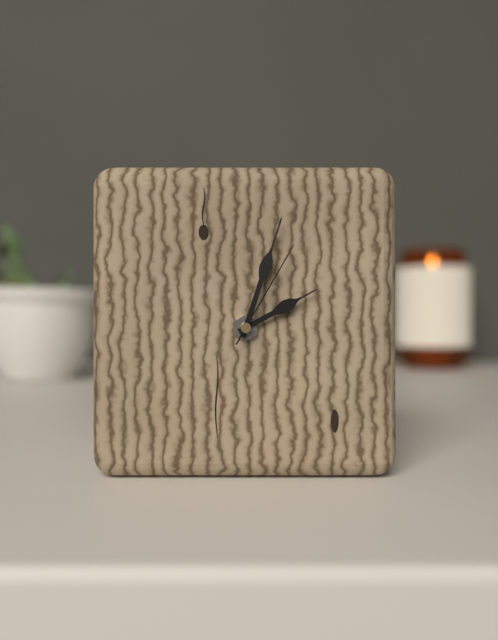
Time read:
**2:03:05**
